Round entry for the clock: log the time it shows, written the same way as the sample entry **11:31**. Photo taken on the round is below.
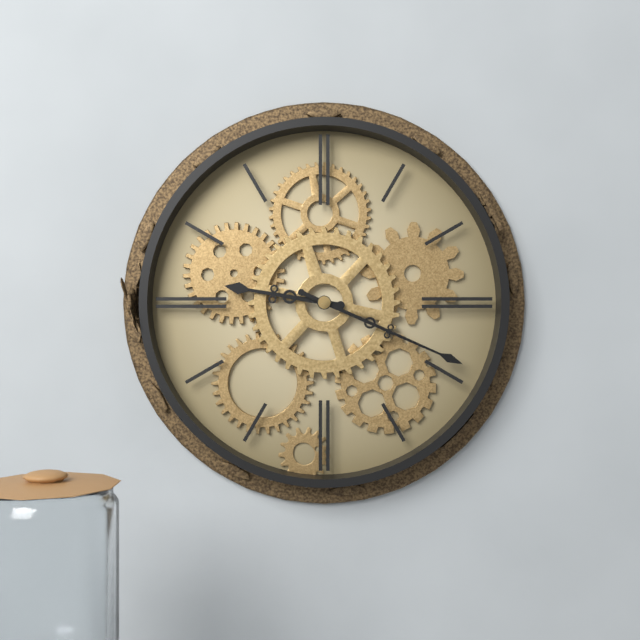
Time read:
**9:19**
